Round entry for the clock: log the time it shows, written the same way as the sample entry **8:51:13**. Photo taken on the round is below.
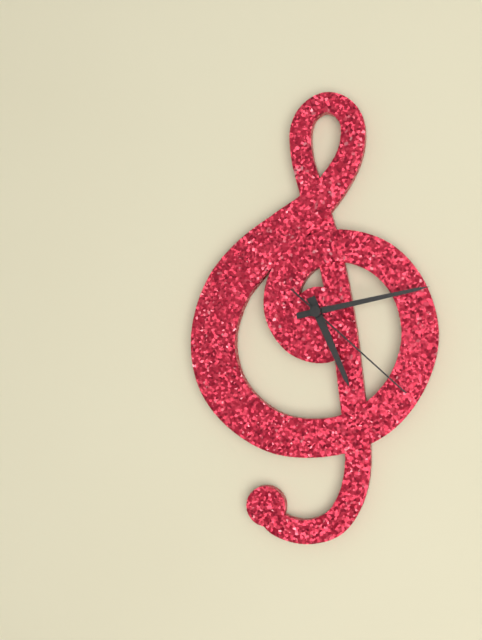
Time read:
**5:13:22**
